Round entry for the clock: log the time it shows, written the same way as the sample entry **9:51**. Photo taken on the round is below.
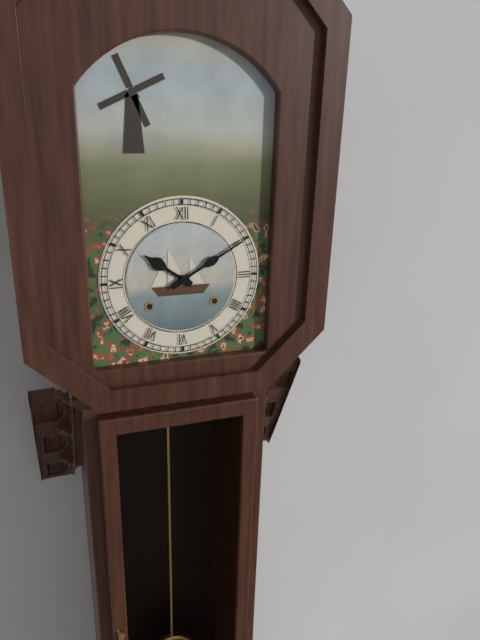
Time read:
**10:10**
